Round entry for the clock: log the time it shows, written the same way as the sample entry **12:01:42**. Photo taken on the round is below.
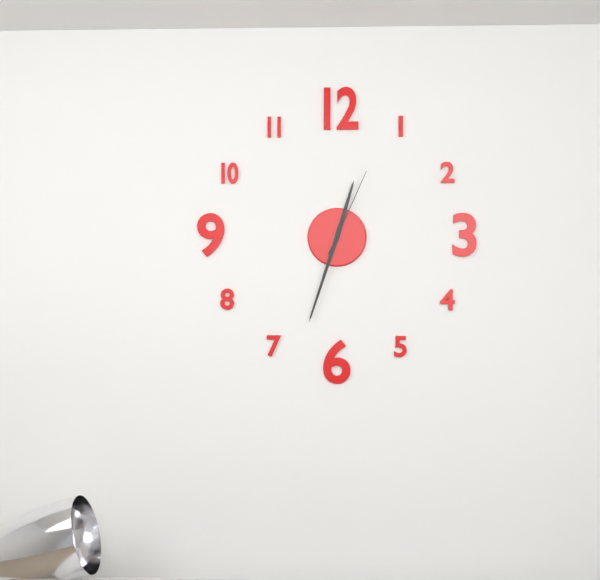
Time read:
**12:33:04**
